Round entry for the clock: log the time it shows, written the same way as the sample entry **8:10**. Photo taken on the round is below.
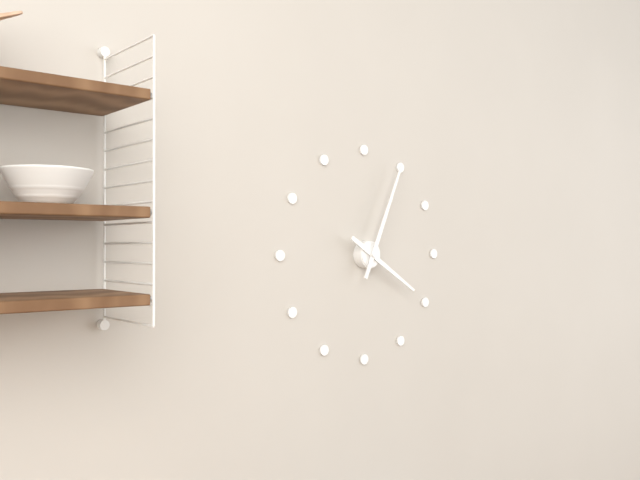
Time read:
**4:04**
